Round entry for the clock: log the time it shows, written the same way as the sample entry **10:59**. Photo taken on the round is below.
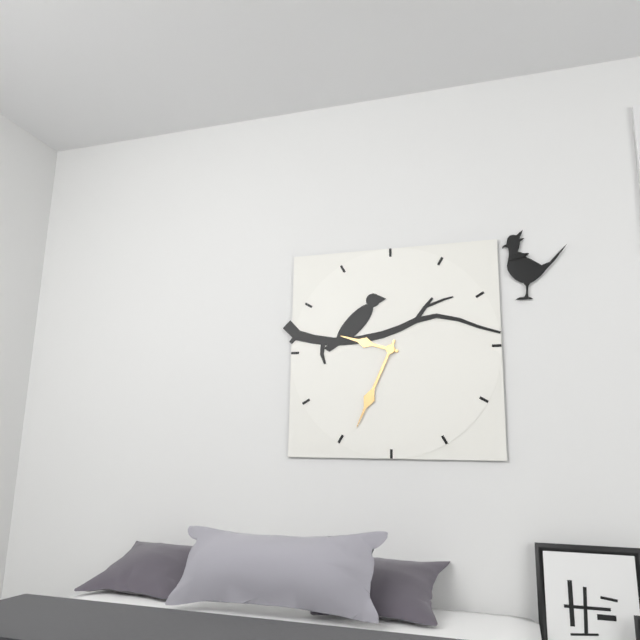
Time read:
**9:34**
